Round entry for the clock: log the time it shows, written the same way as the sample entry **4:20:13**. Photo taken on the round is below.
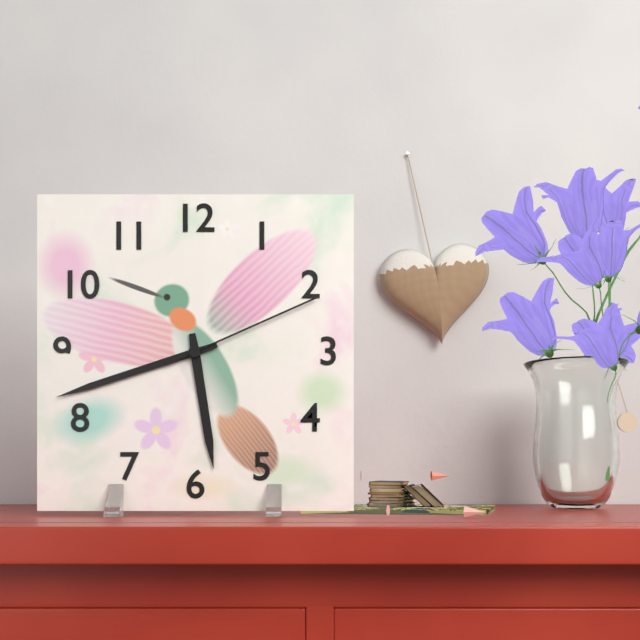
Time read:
**5:42:11**
